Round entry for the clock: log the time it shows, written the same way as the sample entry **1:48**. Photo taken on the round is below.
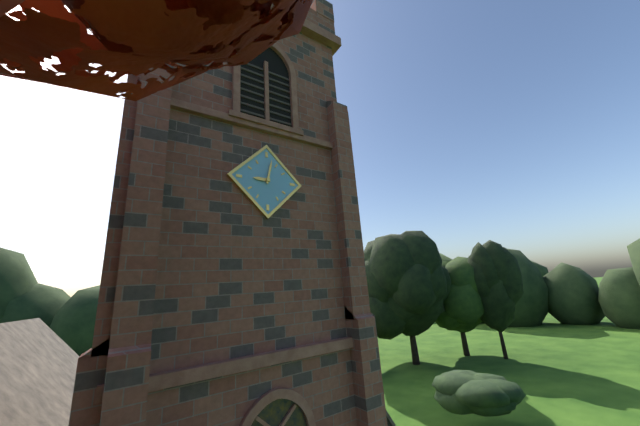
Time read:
**9:02**
